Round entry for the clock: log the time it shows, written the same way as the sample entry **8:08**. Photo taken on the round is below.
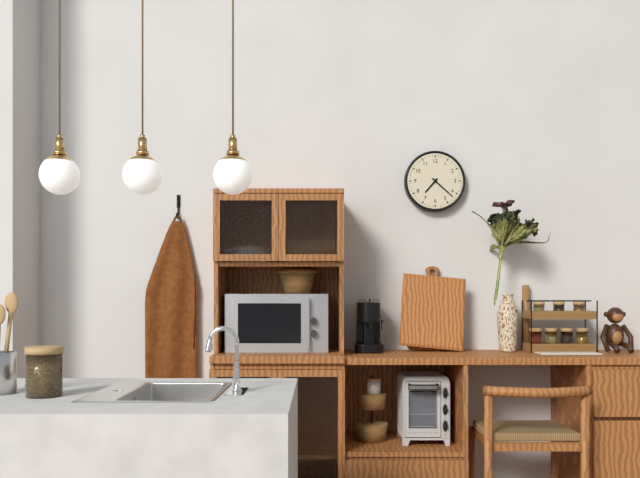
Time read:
**7:22**
